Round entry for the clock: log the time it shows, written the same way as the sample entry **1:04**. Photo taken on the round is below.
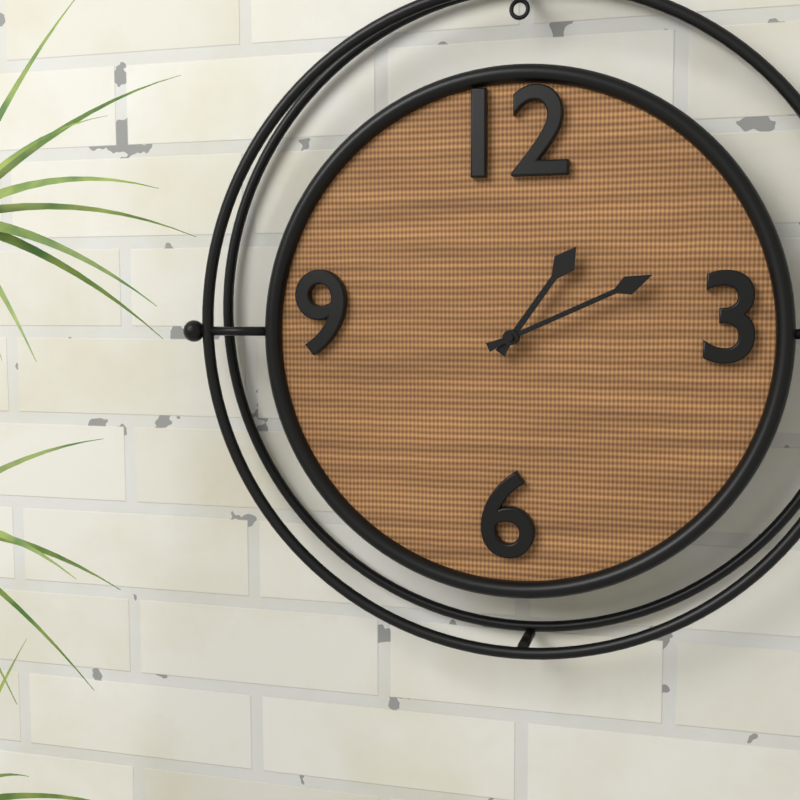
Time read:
**1:11**
